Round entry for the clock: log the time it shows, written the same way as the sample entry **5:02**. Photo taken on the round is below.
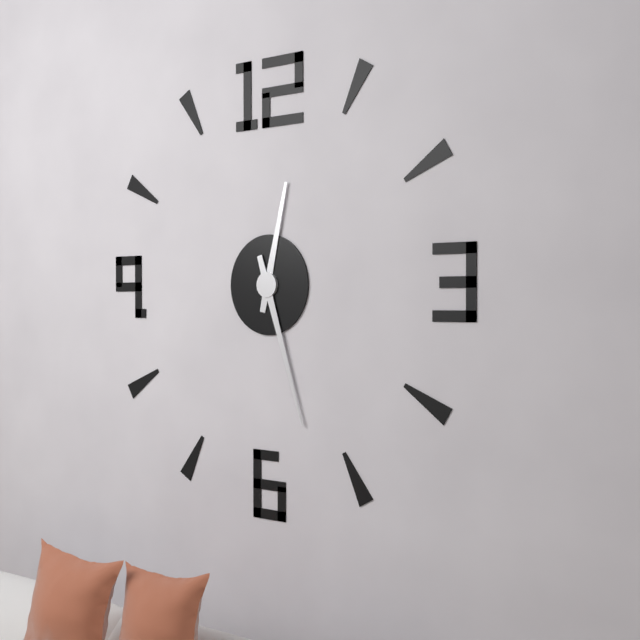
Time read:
**12:27**
